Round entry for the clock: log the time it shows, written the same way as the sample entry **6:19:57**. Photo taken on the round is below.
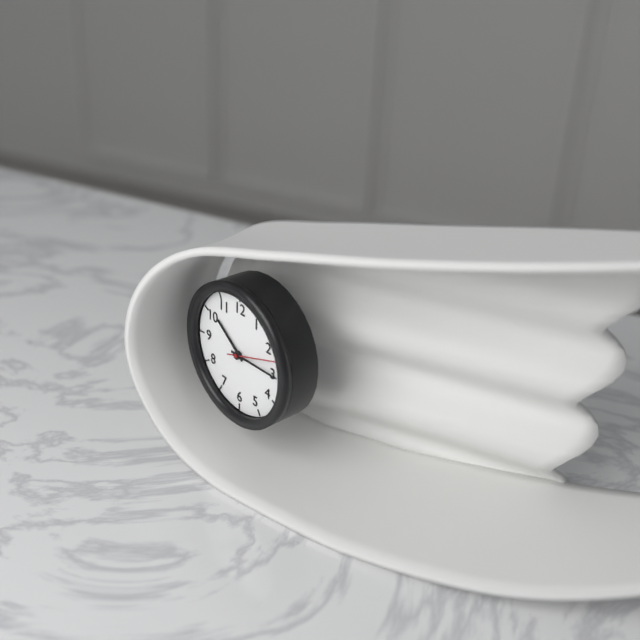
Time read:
**10:15:12**
